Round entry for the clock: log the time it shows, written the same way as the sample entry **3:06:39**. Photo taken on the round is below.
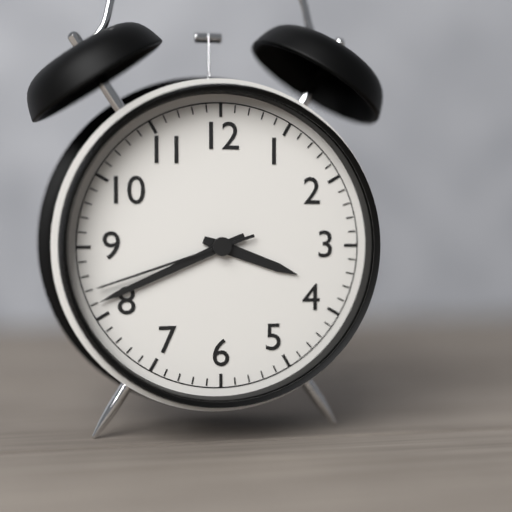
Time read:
**3:41:42**
